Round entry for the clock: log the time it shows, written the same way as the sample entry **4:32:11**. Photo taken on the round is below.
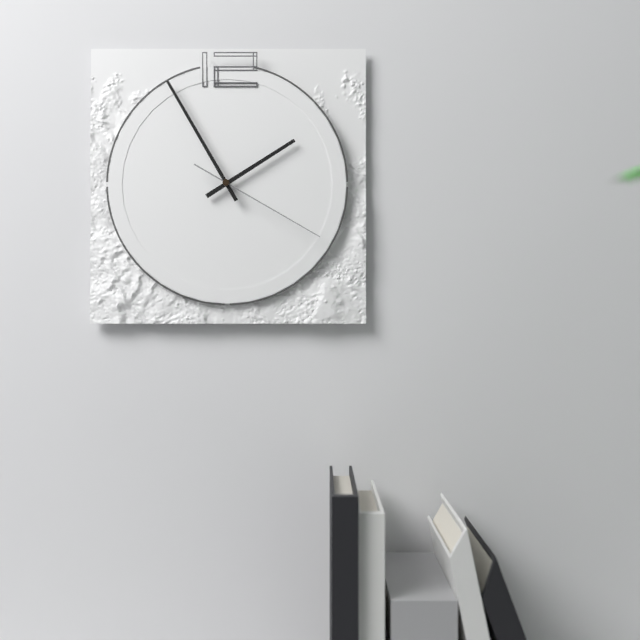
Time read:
**1:55:20**
